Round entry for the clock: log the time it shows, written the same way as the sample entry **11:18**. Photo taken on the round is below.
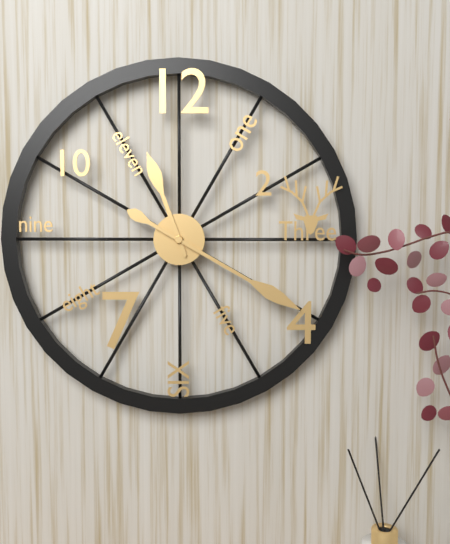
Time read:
**11:20**
